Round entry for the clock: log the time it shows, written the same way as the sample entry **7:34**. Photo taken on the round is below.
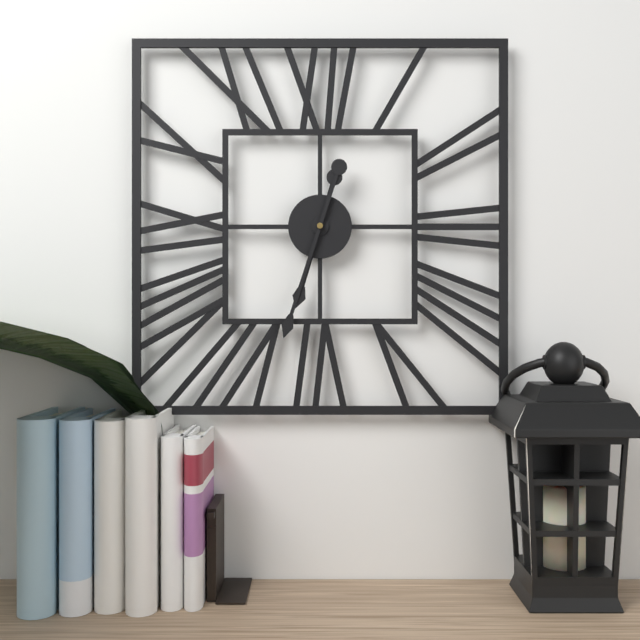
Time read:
**6:33**
